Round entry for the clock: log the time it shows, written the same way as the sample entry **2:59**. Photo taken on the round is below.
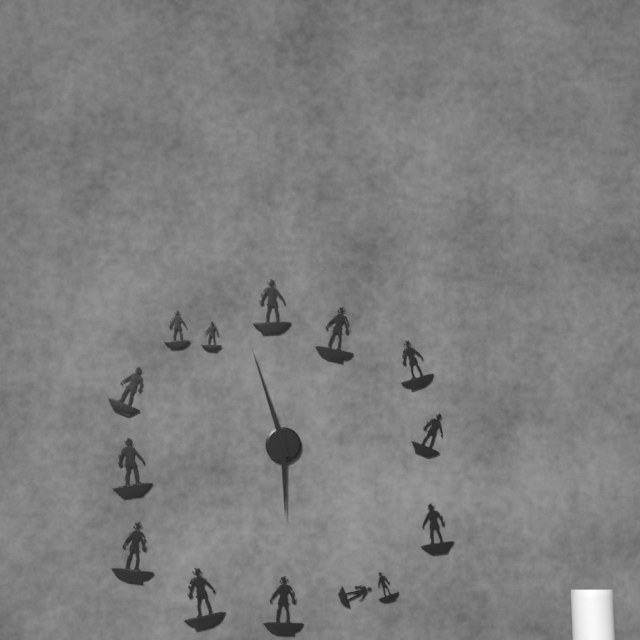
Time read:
**5:57**
